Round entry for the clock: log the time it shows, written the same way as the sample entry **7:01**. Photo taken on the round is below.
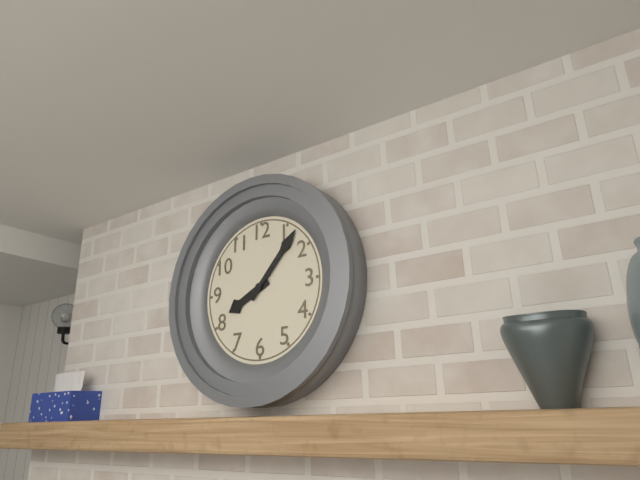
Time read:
**8:07**
